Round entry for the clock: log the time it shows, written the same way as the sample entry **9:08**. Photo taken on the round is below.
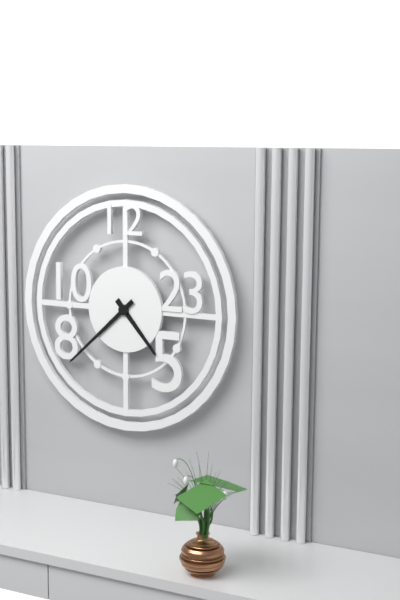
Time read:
**4:38**
